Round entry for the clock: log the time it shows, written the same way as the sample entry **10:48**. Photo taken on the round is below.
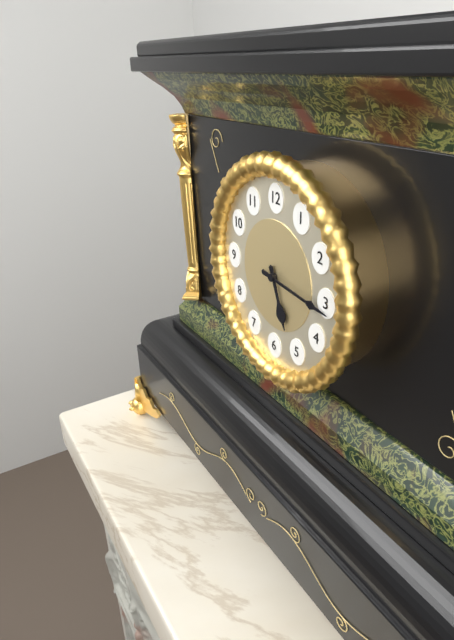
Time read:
**5:16**
